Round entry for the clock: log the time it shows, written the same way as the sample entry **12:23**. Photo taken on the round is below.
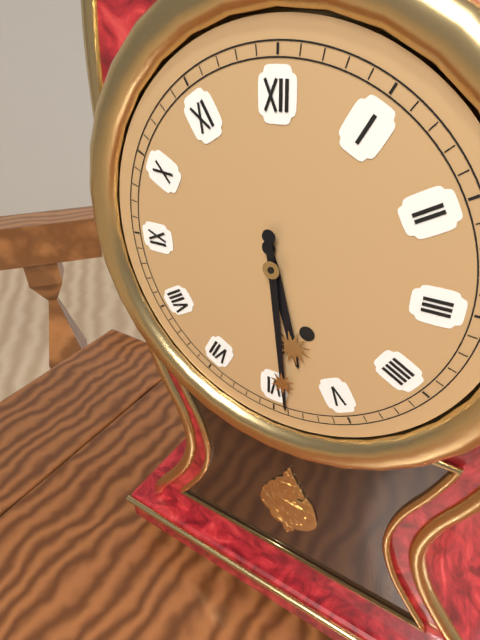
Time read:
**5:29**
